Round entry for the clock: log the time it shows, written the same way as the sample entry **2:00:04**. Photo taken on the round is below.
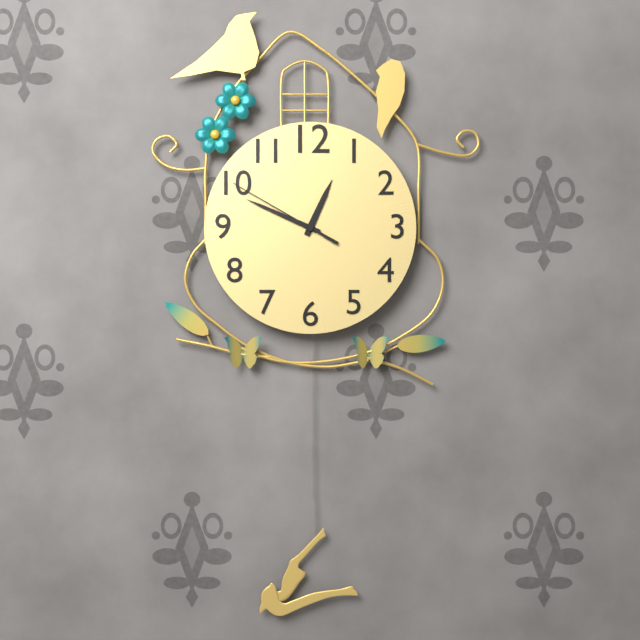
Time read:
**12:49:50**
